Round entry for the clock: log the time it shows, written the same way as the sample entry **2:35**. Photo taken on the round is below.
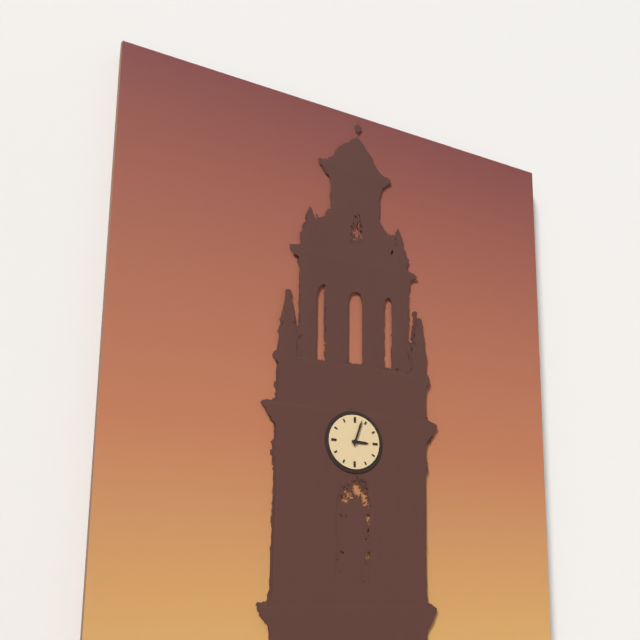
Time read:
**3:03**
